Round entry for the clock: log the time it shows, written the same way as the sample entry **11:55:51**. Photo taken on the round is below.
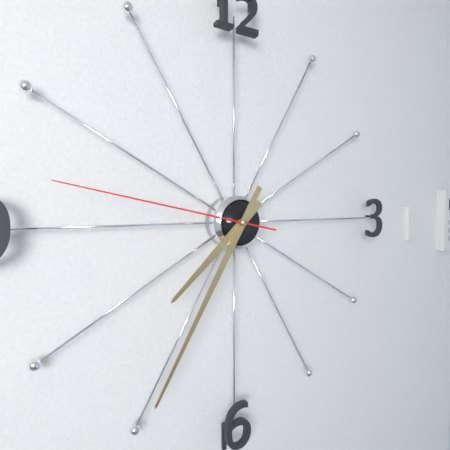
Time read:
**7:35:47**
